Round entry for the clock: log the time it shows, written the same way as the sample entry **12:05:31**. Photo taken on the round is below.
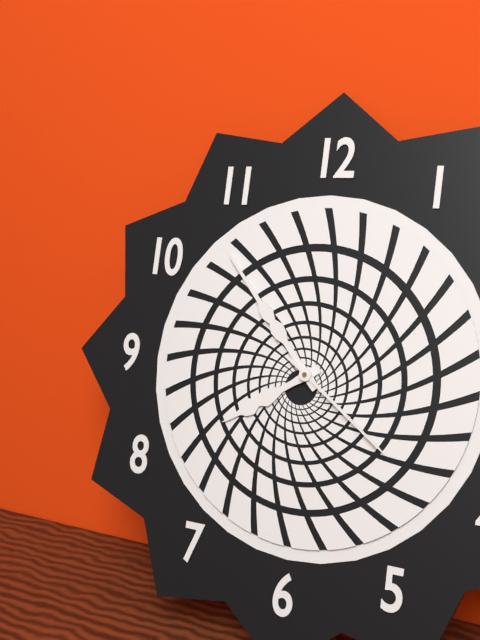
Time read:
**7:53:21**
